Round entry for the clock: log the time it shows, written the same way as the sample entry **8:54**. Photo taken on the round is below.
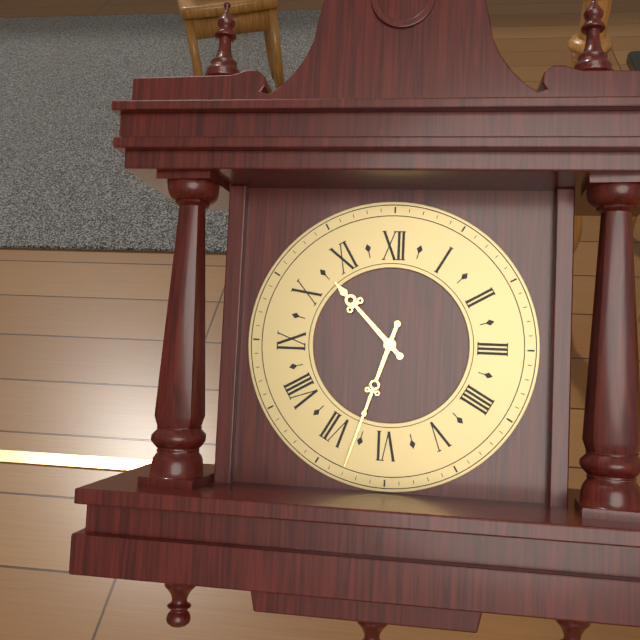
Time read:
**10:33**
